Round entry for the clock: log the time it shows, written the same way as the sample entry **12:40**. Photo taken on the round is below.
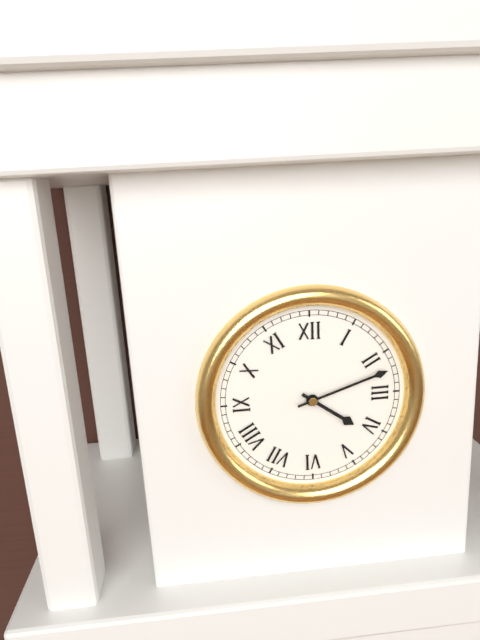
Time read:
**4:12**
